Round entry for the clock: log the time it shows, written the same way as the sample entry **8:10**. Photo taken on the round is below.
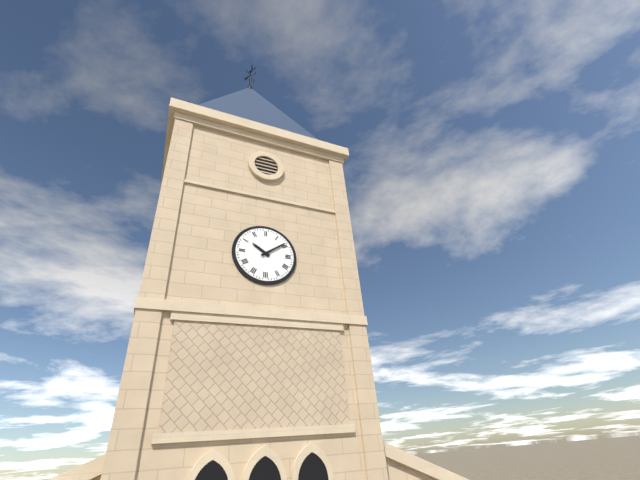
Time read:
**10:09**
